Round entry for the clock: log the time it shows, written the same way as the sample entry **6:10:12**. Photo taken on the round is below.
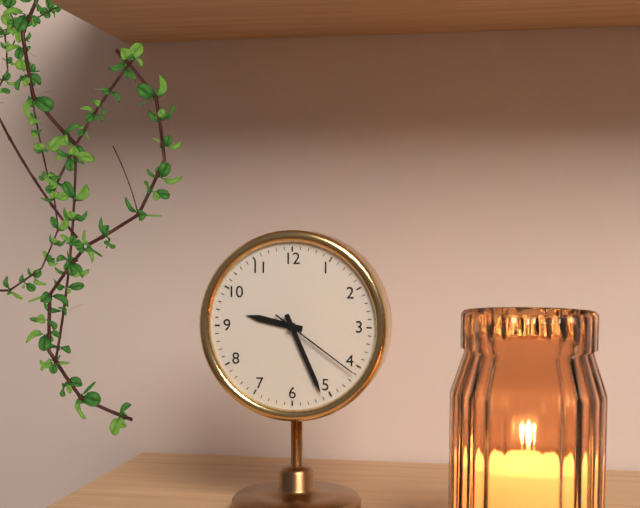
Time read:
**9:26:21**
